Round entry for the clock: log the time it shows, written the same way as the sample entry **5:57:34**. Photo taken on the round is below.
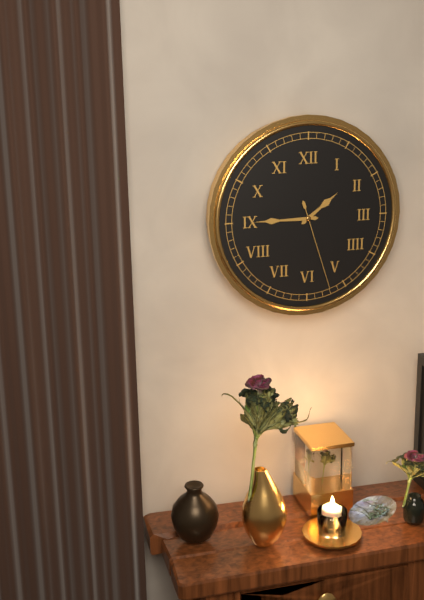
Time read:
**1:45:27**
